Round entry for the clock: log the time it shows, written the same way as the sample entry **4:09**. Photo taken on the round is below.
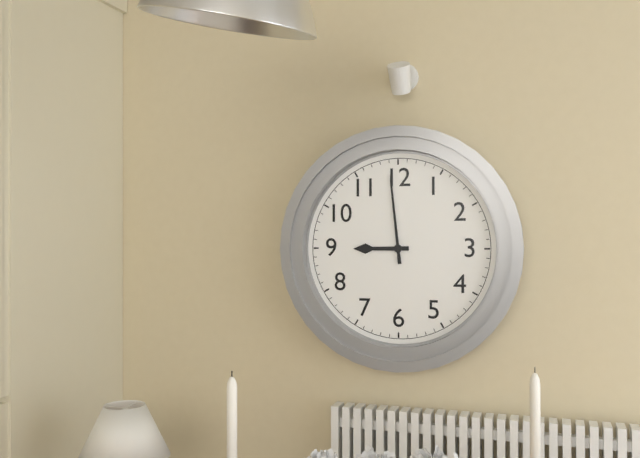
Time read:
**8:59**
